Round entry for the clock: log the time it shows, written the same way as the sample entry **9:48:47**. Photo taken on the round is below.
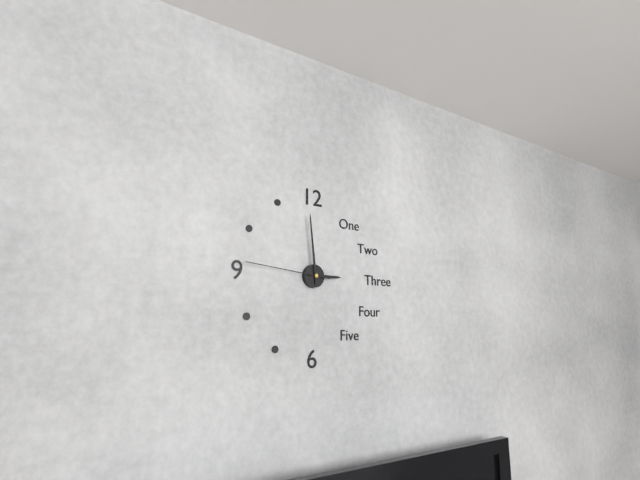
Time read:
**2:59:46**
